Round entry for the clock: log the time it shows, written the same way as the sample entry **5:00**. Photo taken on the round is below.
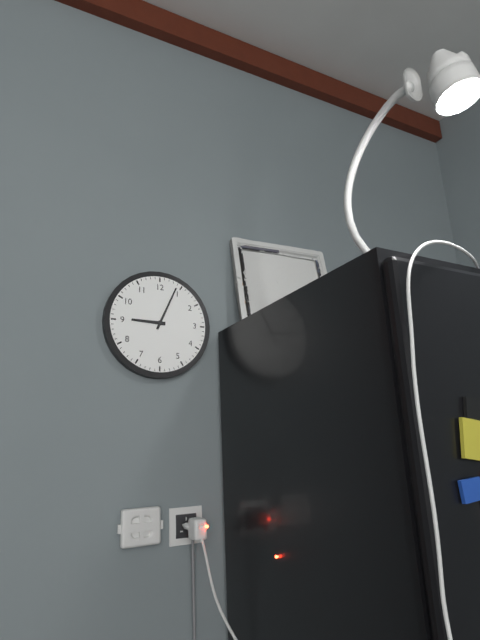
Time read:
**9:04**
